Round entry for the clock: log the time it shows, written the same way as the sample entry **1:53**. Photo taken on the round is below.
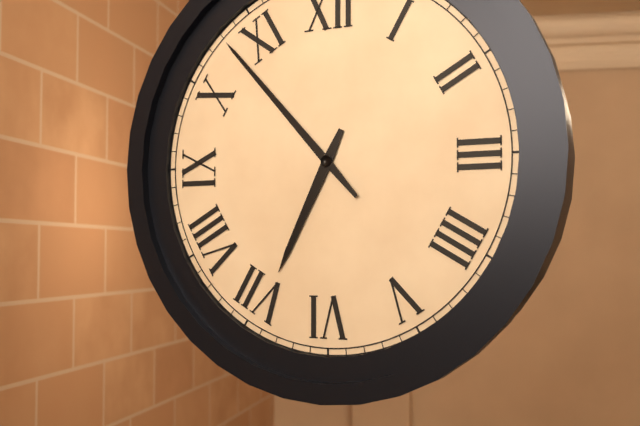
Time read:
**6:53**
